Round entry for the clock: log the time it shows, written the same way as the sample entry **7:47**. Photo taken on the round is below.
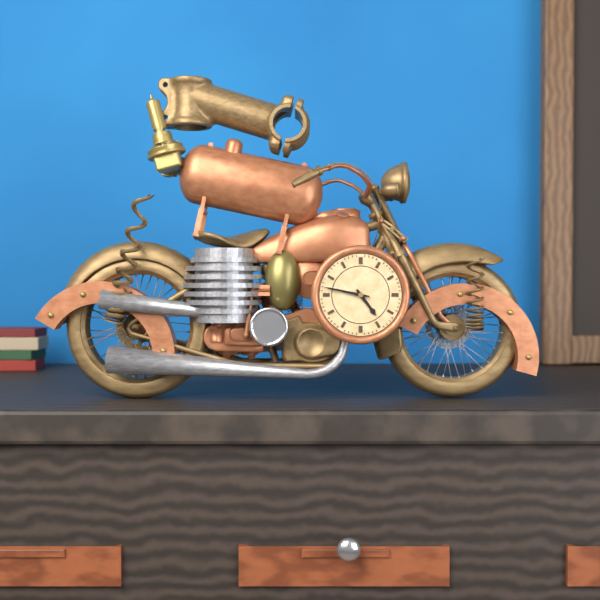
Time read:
**4:47**
